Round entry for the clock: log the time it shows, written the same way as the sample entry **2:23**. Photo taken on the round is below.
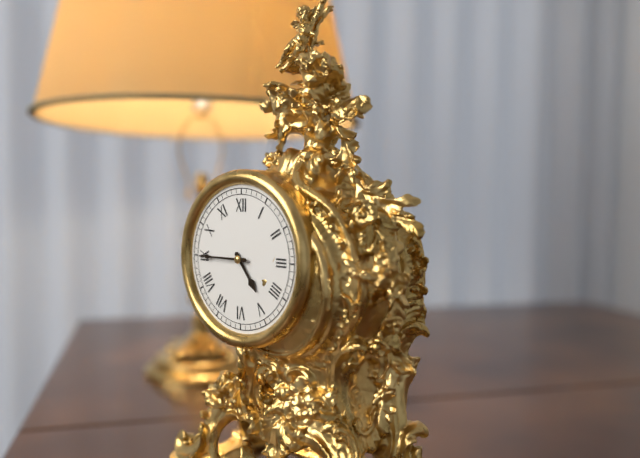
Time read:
**4:45**
